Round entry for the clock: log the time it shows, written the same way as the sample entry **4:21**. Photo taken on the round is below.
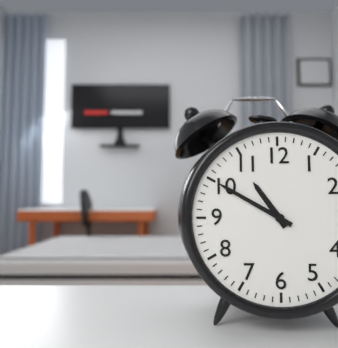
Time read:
**10:50**
